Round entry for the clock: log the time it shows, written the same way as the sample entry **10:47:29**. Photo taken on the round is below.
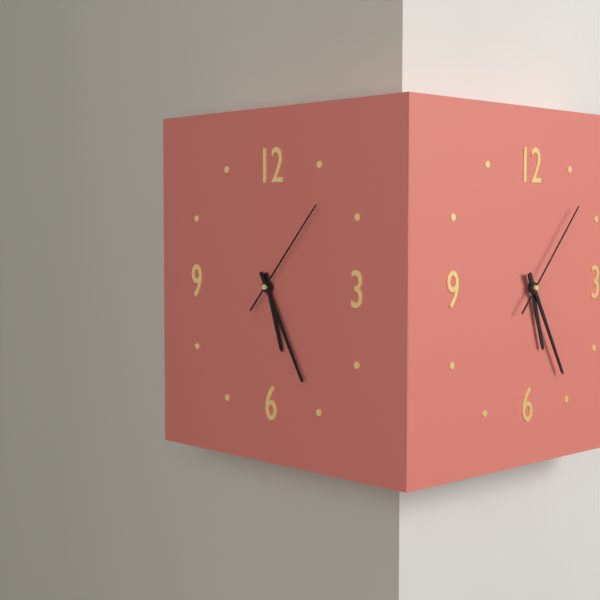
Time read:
**5:25:07**
